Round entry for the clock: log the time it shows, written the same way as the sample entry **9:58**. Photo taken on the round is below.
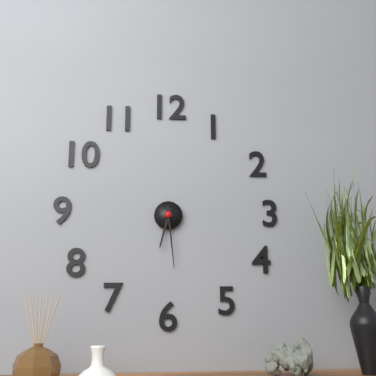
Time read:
**6:29**
